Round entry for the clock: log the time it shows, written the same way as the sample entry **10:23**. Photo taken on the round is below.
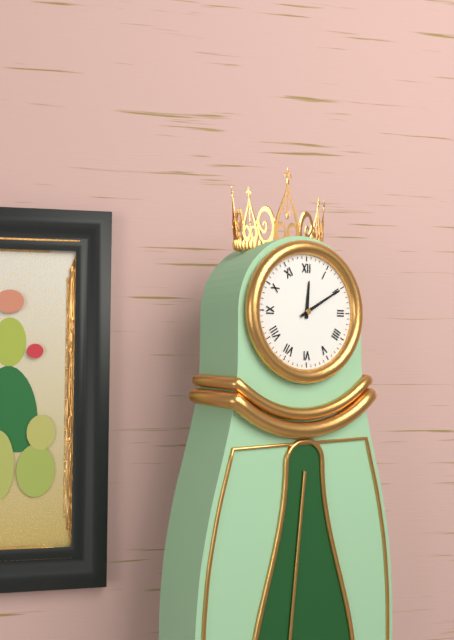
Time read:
**12:10**
